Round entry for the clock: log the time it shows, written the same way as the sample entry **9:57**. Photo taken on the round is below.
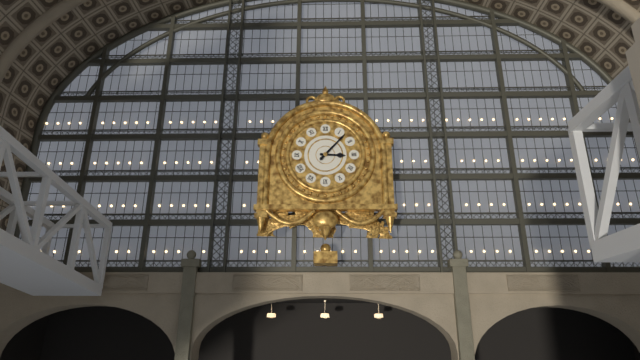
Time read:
**3:07**
